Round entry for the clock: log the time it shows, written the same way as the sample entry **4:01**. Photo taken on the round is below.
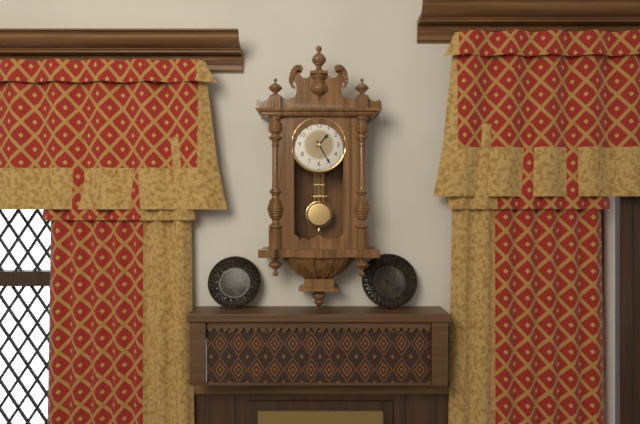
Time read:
**1:25**
